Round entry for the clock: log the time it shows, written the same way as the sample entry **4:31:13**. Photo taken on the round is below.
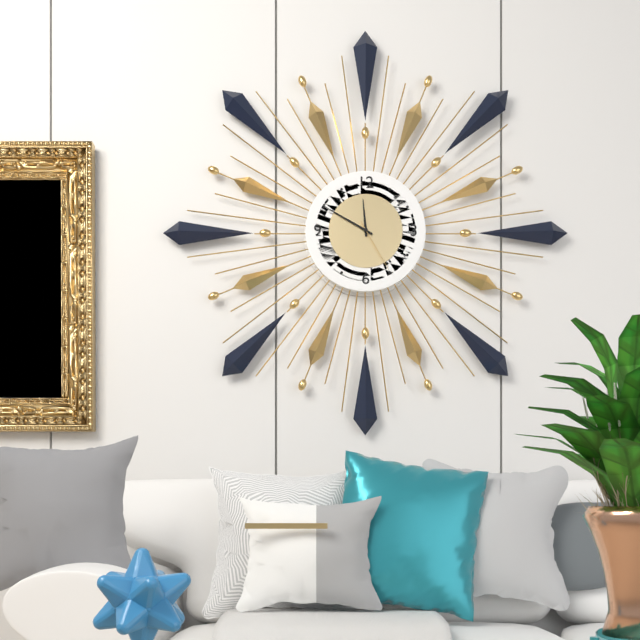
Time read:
**11:50:25**
